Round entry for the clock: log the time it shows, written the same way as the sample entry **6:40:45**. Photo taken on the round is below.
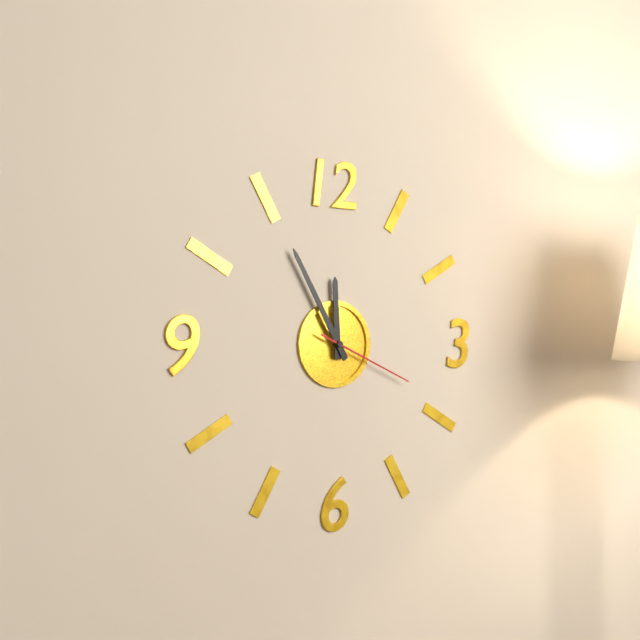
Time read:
**11:55:19**
